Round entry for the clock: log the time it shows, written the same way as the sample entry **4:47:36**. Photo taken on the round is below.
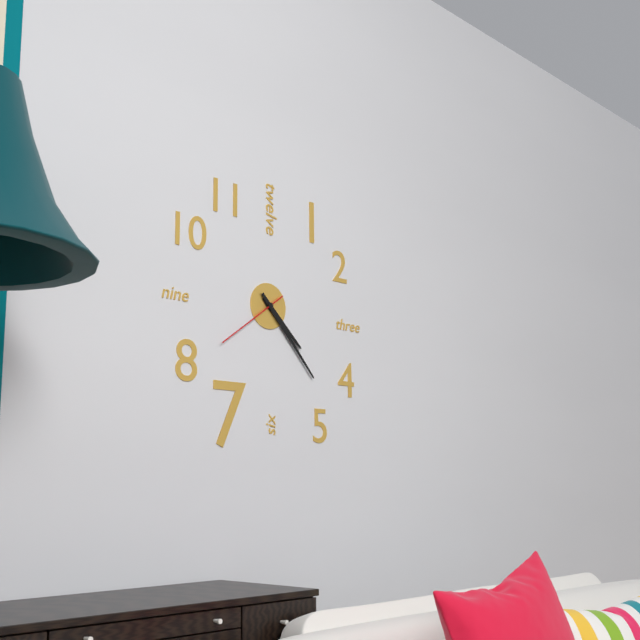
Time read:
**4:23:39**
